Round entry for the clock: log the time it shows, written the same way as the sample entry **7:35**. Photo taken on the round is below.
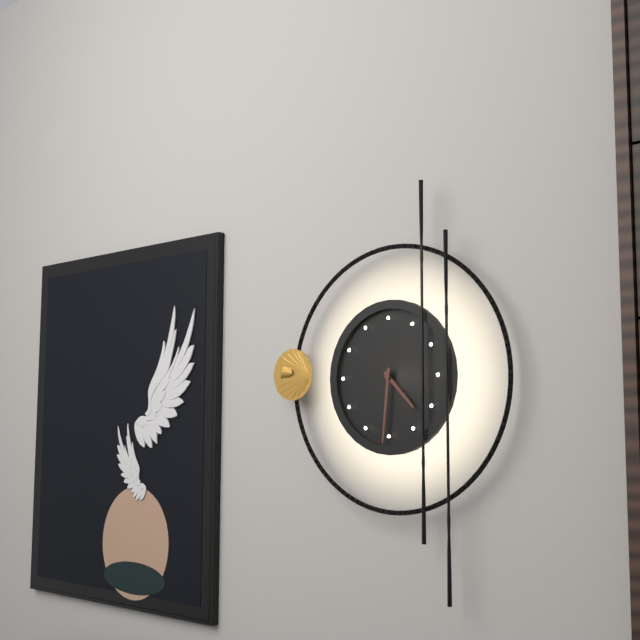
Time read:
**4:31**
